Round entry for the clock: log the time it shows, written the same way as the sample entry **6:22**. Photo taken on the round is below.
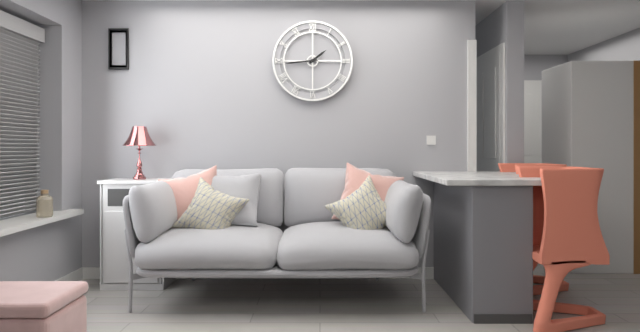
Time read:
**1:44**
